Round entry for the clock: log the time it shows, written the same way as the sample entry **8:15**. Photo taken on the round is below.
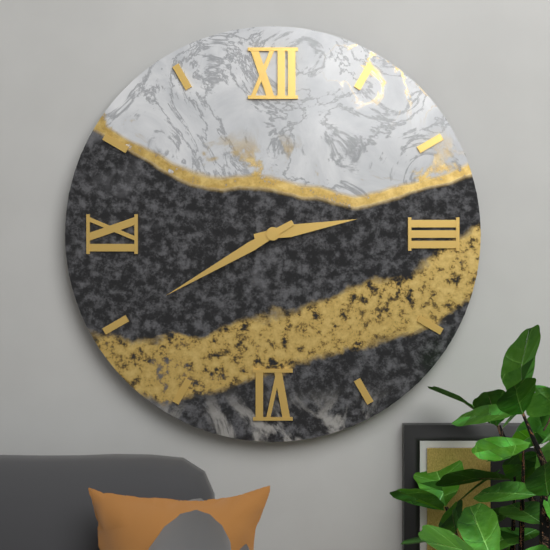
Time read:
**2:40**
